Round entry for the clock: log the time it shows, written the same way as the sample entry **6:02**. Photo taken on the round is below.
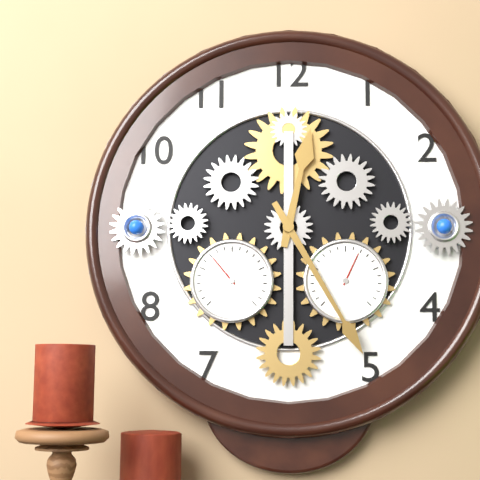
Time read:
**12:25**
